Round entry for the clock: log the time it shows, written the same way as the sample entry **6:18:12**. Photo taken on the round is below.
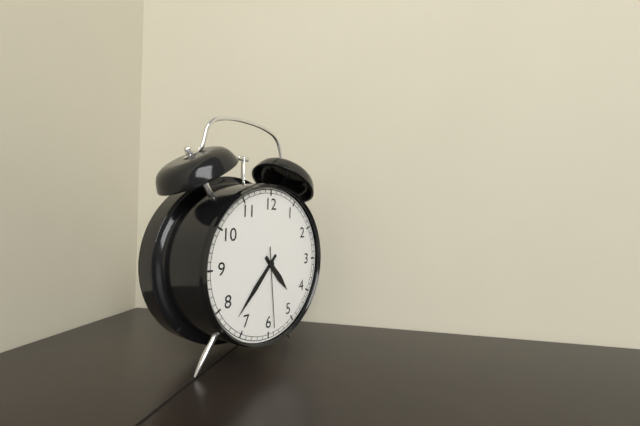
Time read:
**4:37:29**
